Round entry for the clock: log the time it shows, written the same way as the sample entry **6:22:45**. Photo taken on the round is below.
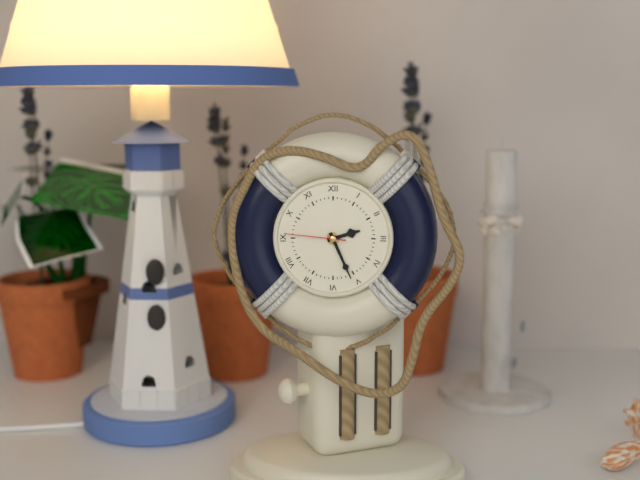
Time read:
**2:26:46**
